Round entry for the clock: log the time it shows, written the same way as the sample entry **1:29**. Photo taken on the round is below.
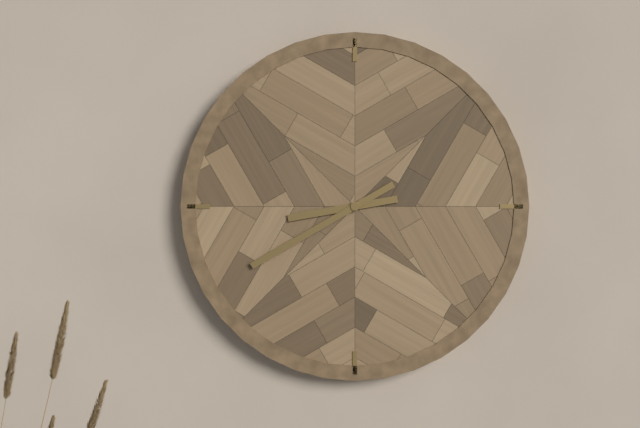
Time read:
**8:40**
